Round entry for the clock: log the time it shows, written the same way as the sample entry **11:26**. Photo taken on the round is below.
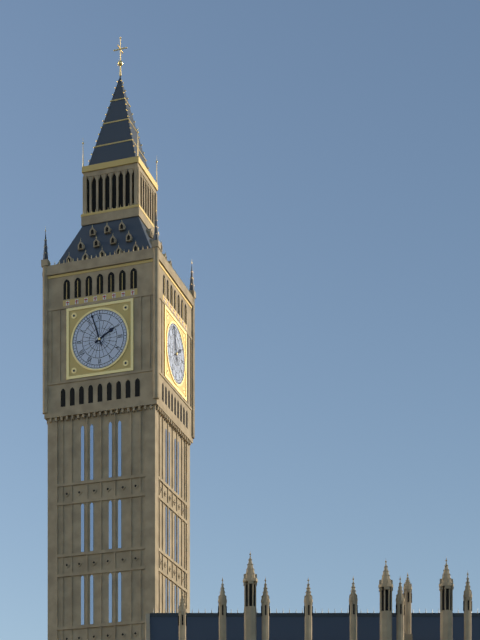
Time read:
**1:57**
